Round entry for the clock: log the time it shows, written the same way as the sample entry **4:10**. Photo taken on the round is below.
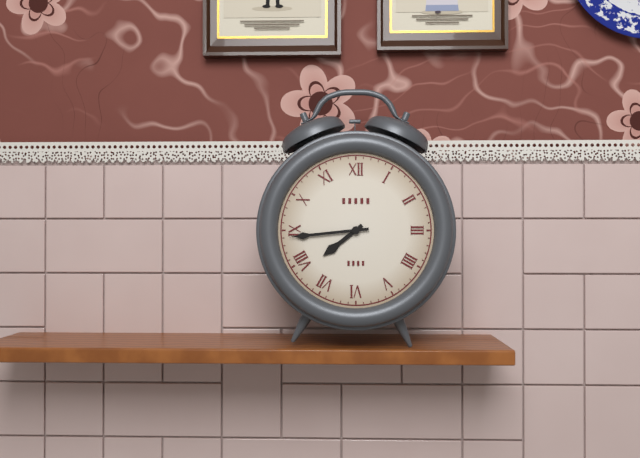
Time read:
**7:44**
